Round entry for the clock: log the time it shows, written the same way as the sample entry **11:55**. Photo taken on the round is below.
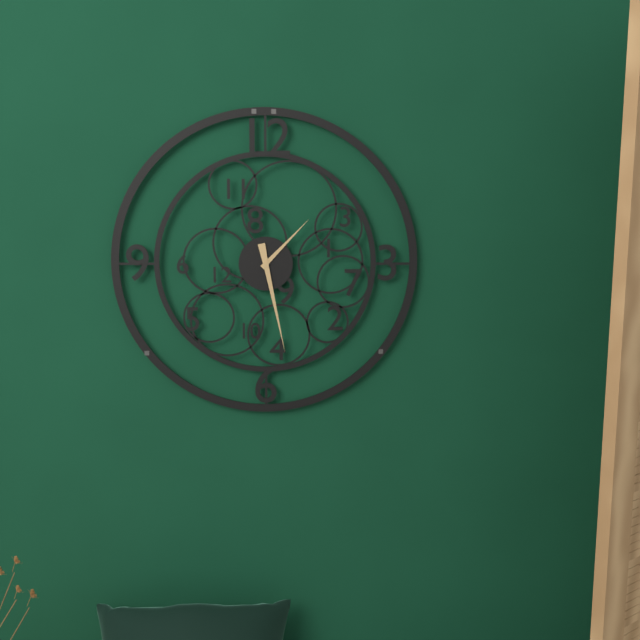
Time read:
**1:28**
